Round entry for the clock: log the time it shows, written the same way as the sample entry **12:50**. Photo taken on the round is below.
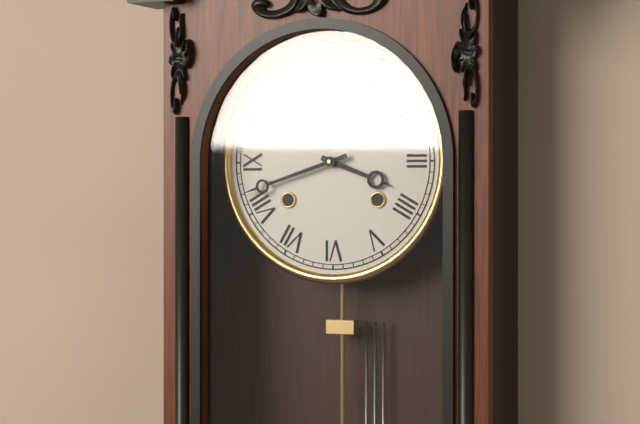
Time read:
**3:42**
